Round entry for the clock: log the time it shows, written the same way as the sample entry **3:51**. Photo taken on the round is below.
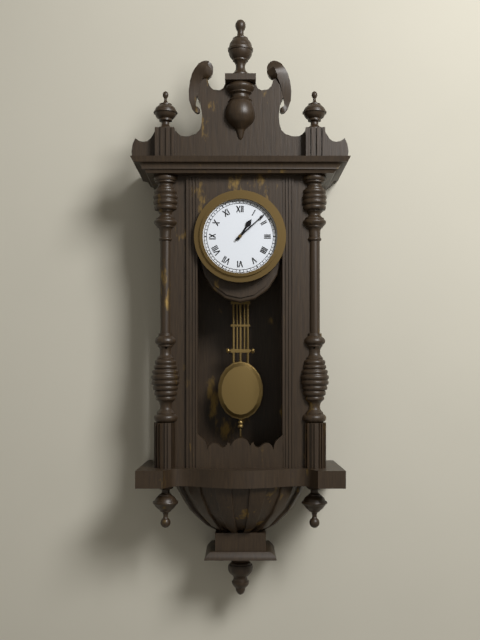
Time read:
**1:08**
